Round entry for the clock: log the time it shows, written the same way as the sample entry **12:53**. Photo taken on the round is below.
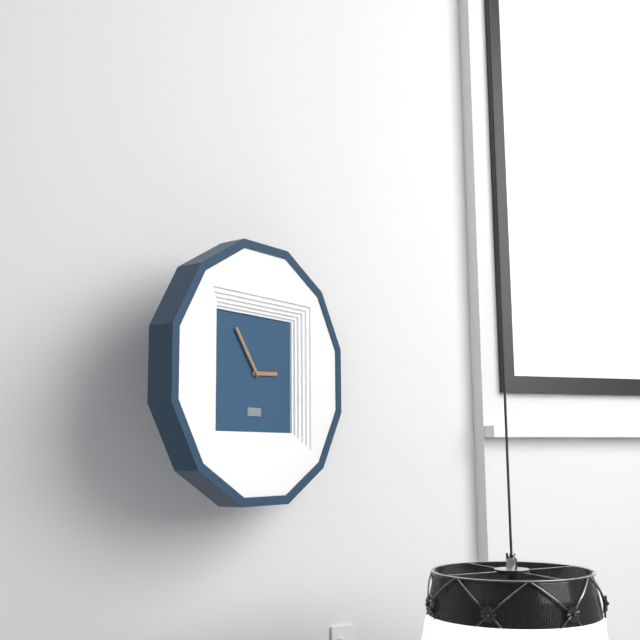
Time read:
**2:54**
